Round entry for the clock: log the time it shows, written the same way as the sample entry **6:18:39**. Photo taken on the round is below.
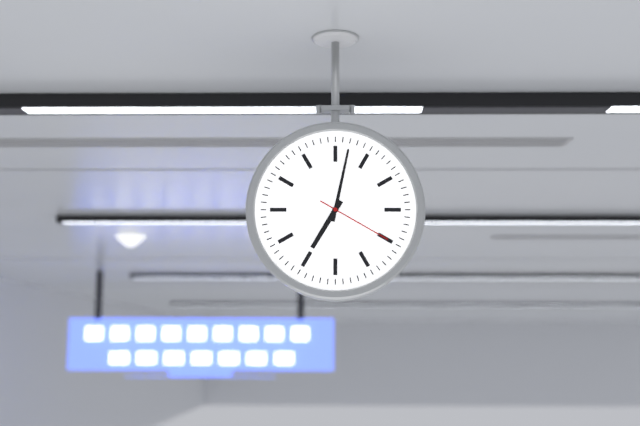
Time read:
**7:02:20**
